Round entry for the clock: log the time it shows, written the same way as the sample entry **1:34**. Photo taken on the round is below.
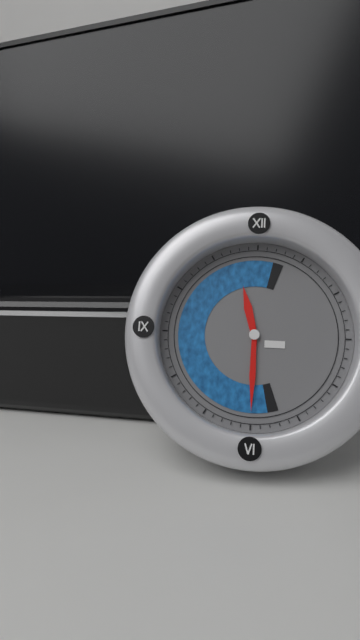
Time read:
**11:30**
